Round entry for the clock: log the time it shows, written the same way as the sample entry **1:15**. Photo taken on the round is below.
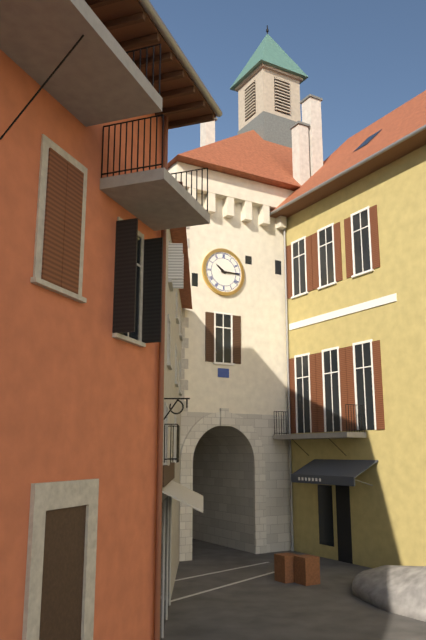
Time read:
**10:15**
